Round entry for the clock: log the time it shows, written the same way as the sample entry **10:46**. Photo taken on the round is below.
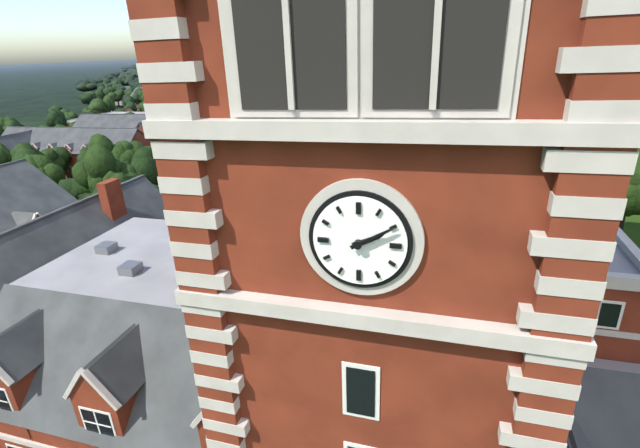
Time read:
**2:10**
